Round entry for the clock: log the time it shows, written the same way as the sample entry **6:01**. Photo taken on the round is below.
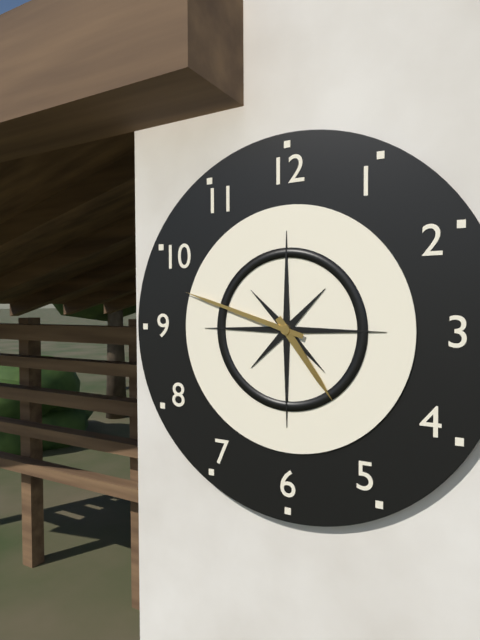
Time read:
**4:48**
